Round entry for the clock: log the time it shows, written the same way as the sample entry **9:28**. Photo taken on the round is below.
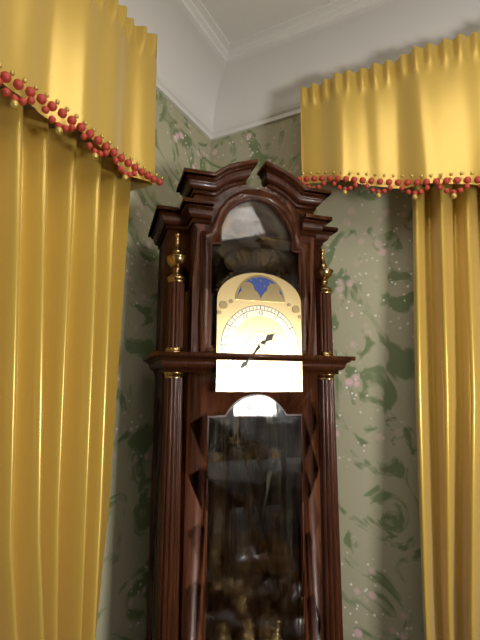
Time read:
**1:37**
